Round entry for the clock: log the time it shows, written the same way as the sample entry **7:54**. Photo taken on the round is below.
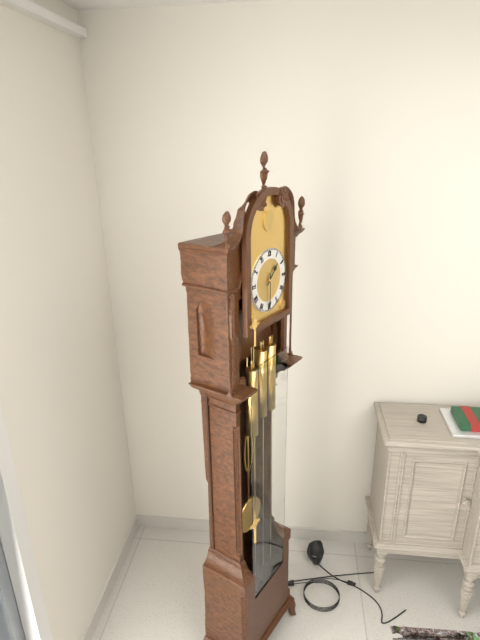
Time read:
**1:30**
